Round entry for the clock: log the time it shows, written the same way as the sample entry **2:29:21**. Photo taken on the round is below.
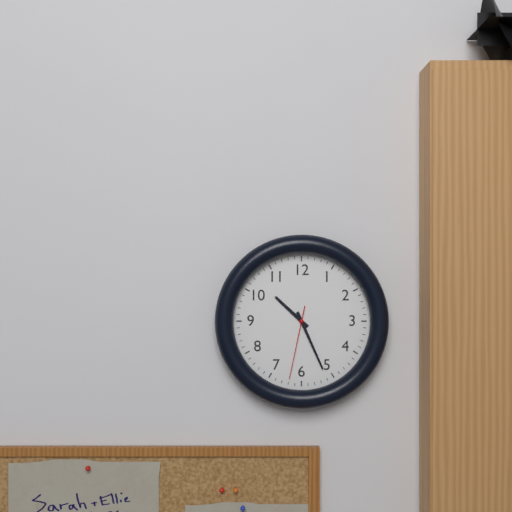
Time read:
**10:26:32**
